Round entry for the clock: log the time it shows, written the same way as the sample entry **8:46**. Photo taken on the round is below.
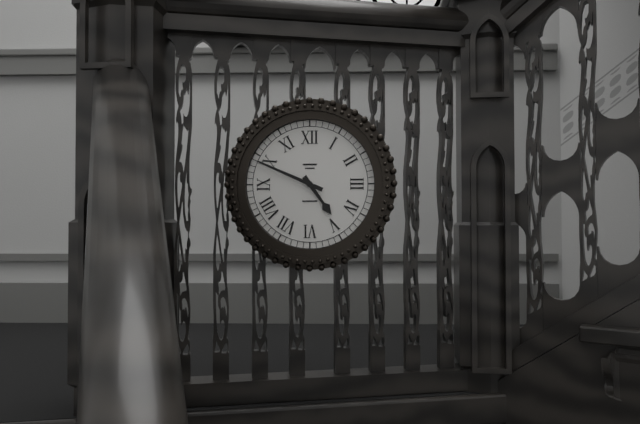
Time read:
**4:49**
